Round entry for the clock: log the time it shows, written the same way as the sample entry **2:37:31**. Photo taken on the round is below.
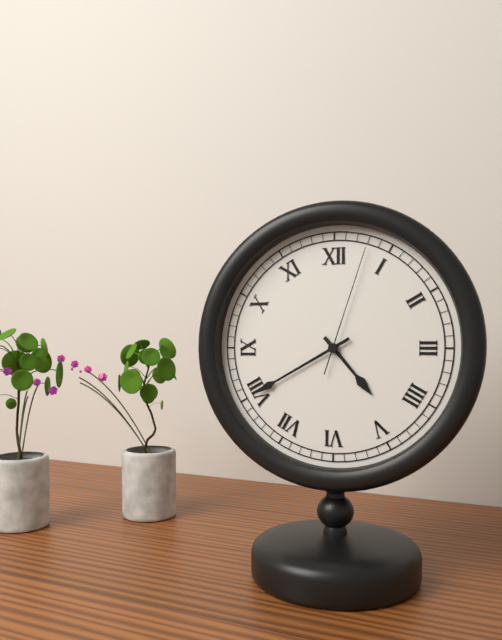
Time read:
**4:40:03**
